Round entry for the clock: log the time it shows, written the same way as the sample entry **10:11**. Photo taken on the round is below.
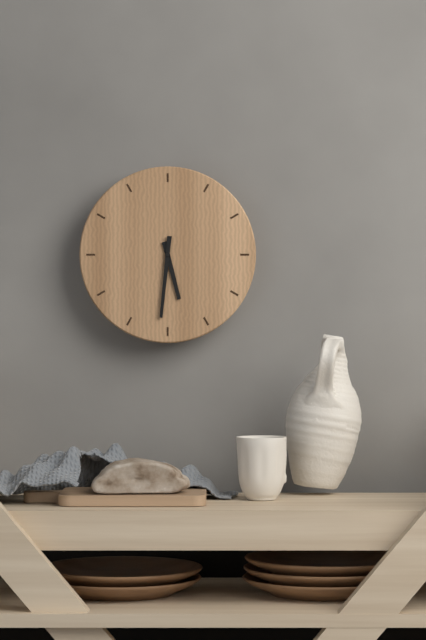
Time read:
**5:31**
